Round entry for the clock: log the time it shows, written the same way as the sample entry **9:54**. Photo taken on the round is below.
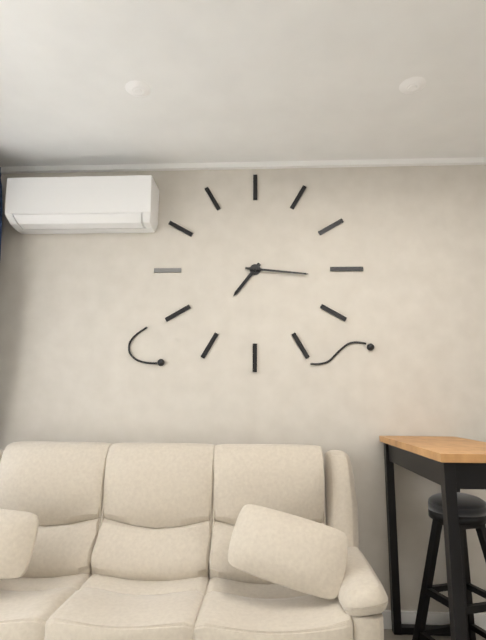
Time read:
**7:16**
